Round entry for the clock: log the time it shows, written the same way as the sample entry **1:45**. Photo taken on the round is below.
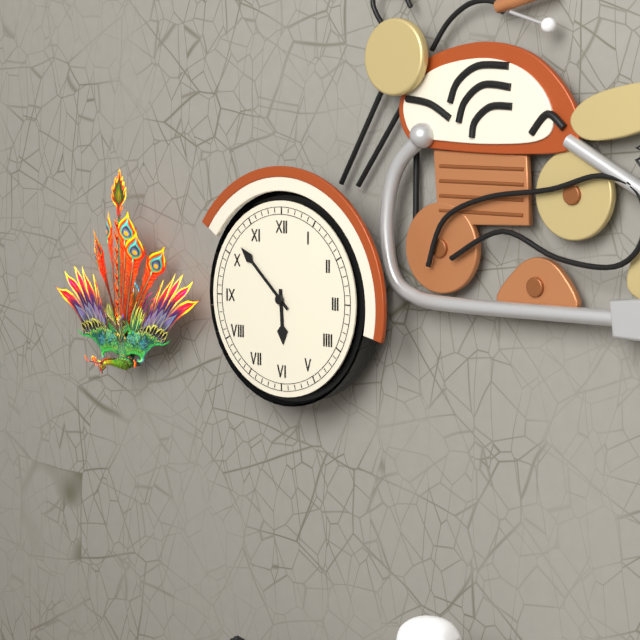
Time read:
**5:52**
